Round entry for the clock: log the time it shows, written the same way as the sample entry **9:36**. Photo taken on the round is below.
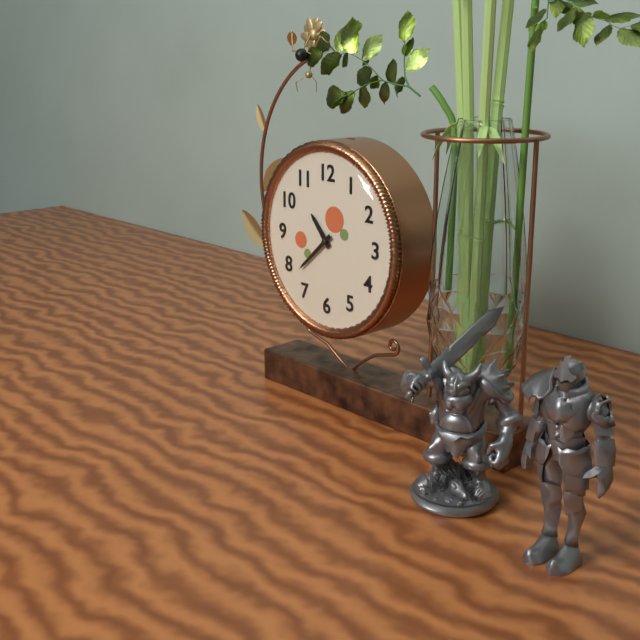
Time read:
**10:38**
